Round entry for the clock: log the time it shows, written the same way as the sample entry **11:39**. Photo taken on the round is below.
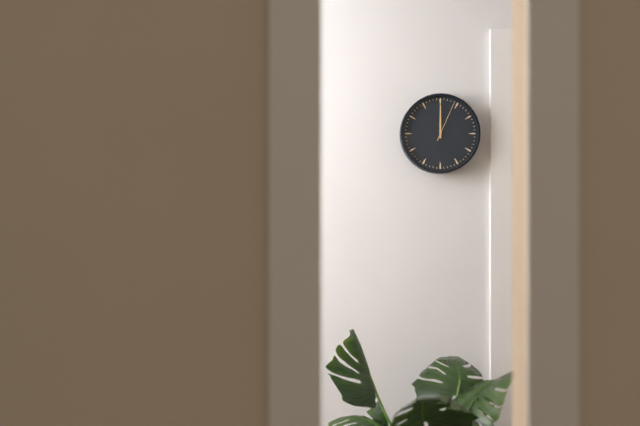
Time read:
**12:00**
